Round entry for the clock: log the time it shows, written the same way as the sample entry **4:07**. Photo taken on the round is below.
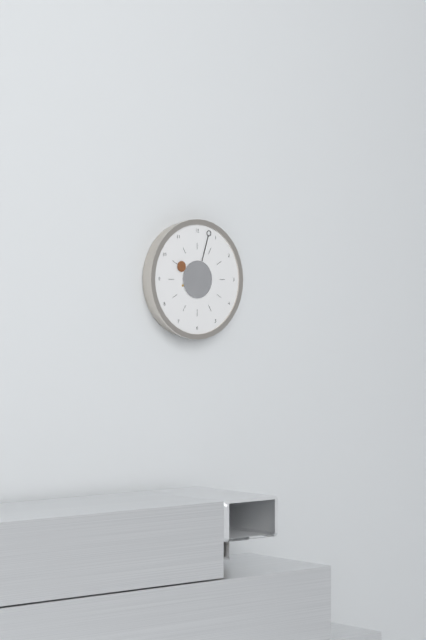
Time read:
**10:03**
